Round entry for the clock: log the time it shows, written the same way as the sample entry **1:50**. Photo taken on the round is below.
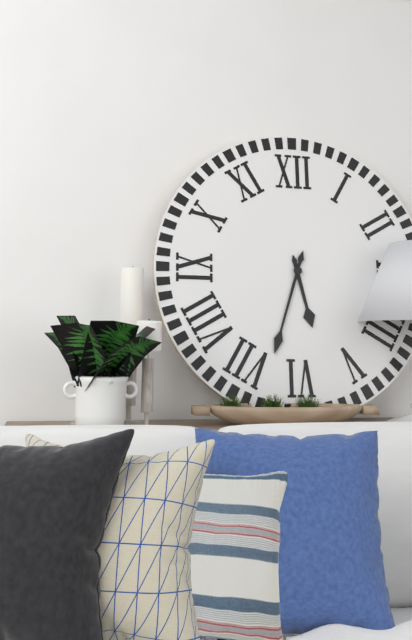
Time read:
**5:33**
